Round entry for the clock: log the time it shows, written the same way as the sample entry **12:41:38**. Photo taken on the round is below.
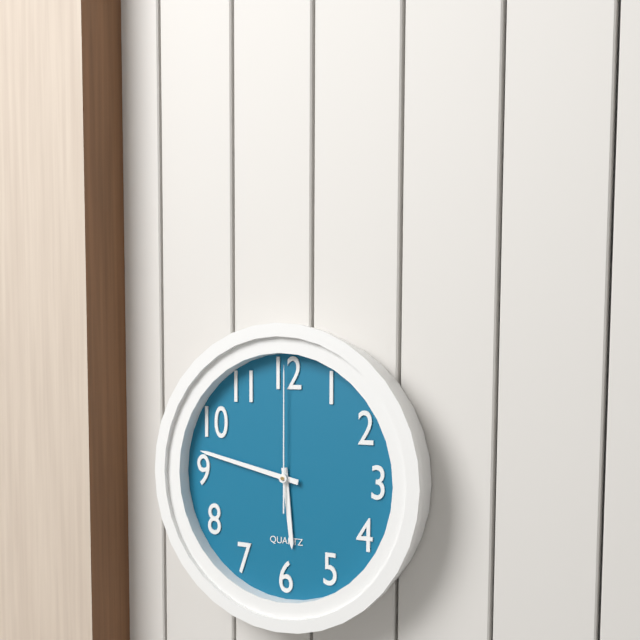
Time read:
**5:47:00**
